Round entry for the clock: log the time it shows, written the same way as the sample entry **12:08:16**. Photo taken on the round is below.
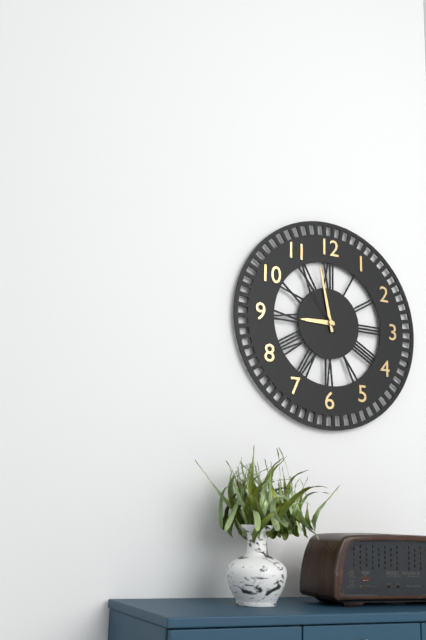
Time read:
**8:58:54**
